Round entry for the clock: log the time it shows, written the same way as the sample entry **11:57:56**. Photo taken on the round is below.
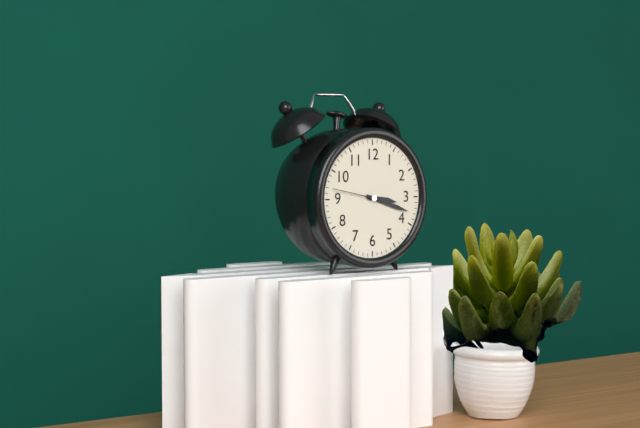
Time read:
**3:18:47**
